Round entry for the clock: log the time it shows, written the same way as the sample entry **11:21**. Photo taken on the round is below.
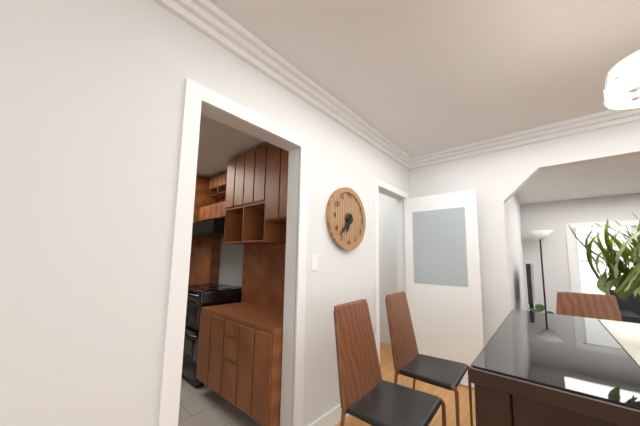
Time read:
**6:37**
